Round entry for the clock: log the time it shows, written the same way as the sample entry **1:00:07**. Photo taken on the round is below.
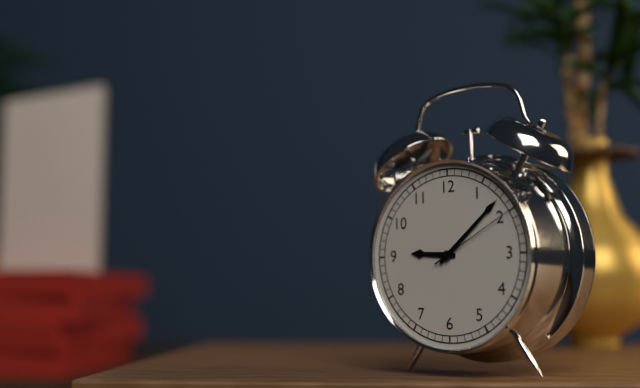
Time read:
**9:08:10**
